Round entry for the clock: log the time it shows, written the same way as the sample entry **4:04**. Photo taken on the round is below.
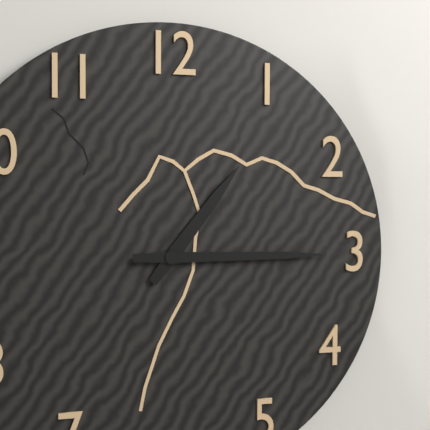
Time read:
**1:15**
